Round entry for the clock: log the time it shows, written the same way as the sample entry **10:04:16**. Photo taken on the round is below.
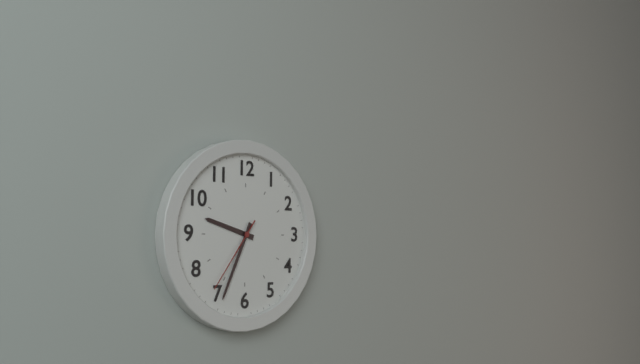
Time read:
**9:34:36**
